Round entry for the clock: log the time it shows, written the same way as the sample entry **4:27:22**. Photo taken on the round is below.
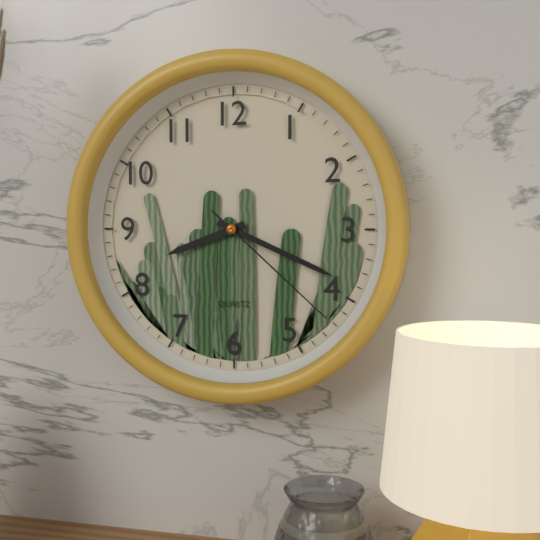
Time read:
**8:19:22**
